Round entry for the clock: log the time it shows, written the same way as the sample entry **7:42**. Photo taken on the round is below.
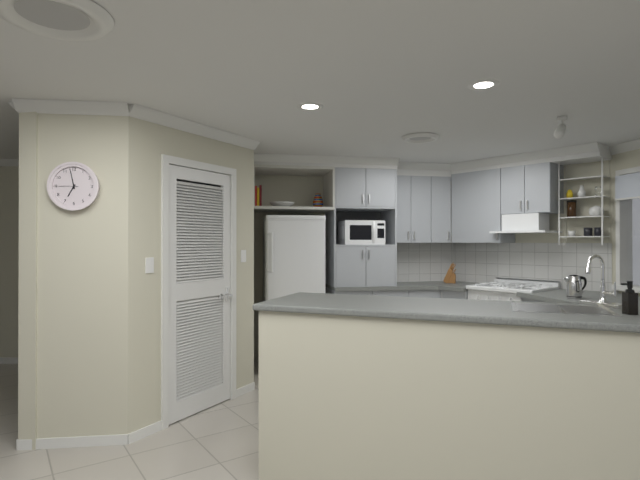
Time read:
**6:58**
